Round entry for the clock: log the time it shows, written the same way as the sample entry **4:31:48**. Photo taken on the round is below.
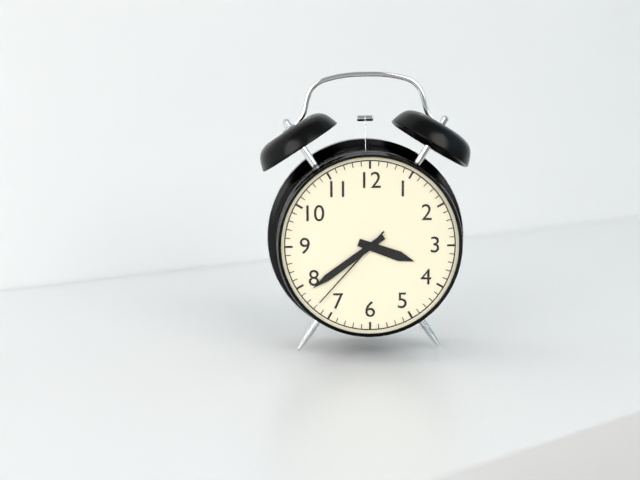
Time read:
**3:39:37**
